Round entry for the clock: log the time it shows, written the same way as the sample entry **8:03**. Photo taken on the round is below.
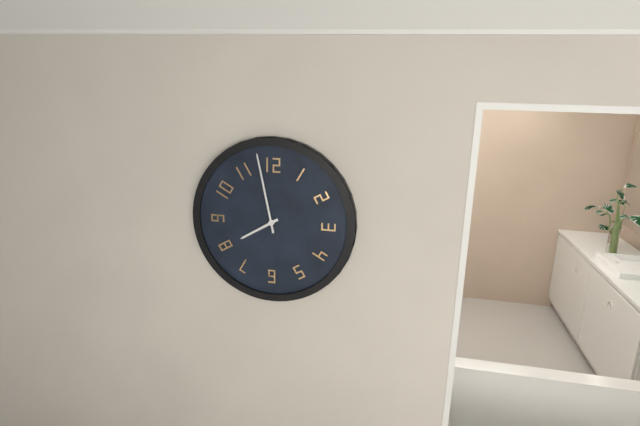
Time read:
**7:58**
